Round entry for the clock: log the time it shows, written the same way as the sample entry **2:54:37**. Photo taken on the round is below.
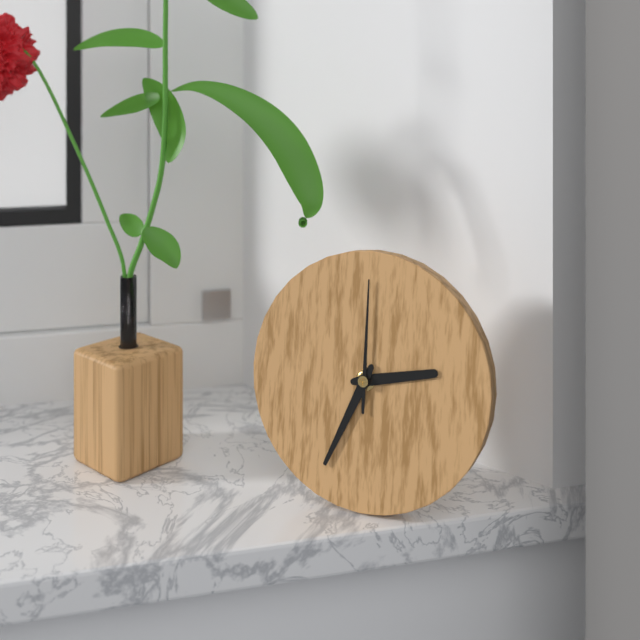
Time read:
**2:34:00**
